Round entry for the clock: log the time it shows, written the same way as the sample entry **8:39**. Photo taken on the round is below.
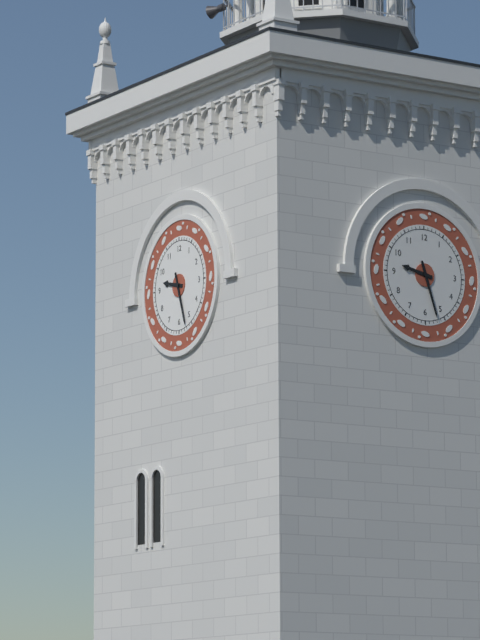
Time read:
**9:27**
